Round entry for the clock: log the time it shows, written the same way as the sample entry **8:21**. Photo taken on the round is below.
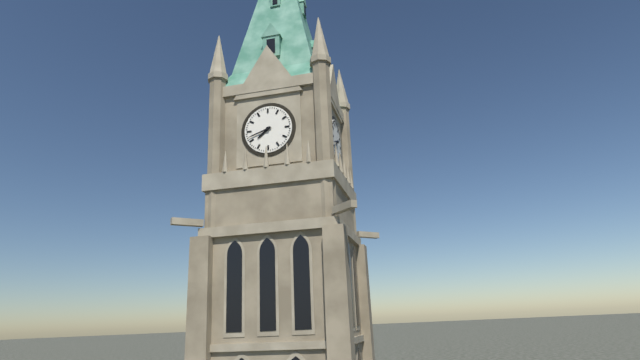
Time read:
**7:42**
